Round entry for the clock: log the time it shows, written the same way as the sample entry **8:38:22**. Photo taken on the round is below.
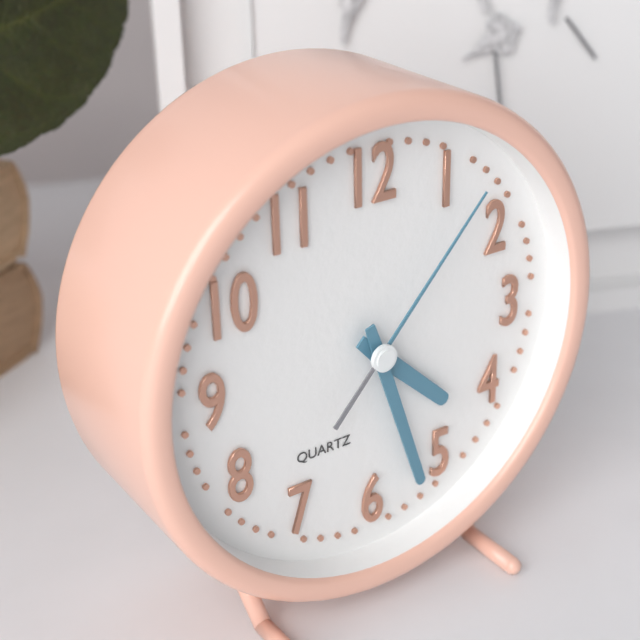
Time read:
**4:27:07**
